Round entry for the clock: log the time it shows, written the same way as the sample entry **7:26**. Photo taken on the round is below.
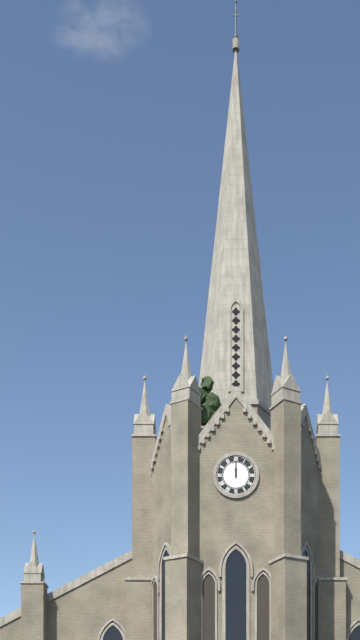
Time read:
**12:00**
